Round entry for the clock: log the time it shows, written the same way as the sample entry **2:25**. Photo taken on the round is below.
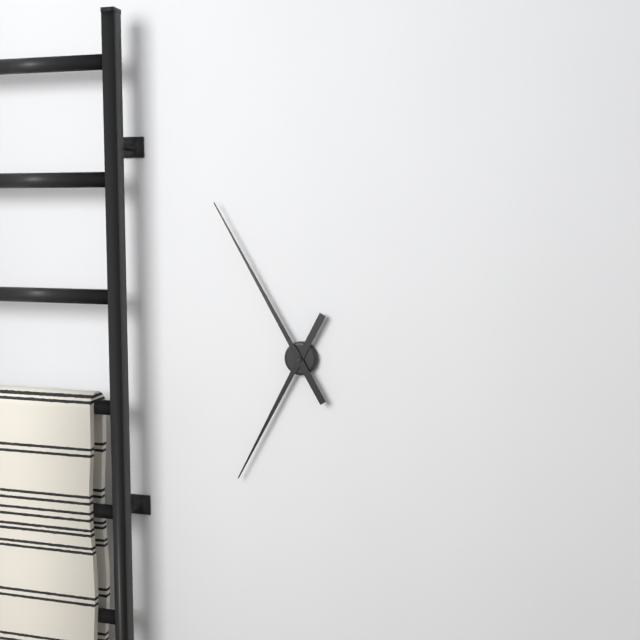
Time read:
**6:55**
